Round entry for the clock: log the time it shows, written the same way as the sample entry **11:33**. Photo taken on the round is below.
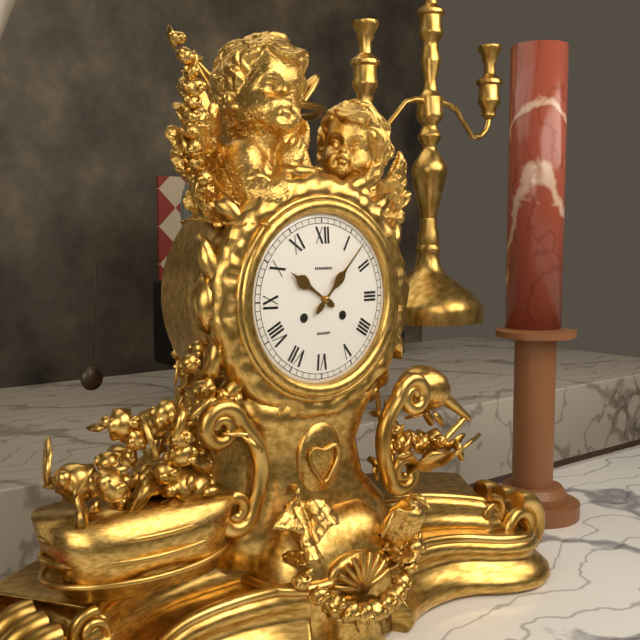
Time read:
**10:07**
